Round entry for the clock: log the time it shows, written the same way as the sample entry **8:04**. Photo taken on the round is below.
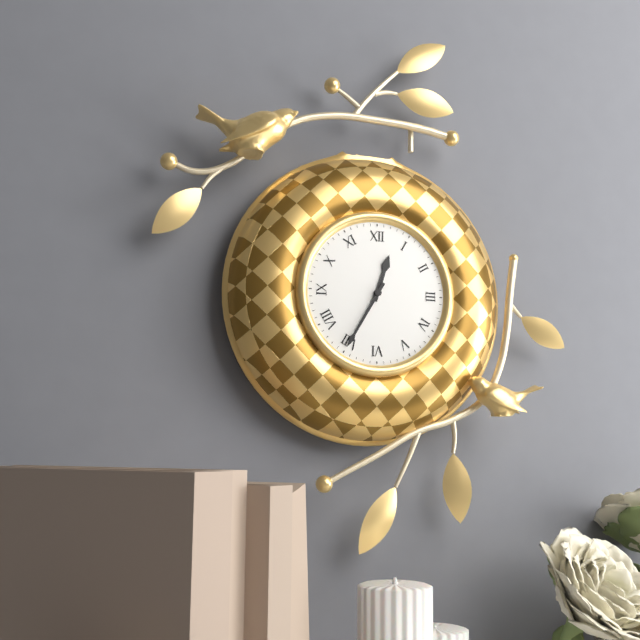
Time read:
**12:35**
